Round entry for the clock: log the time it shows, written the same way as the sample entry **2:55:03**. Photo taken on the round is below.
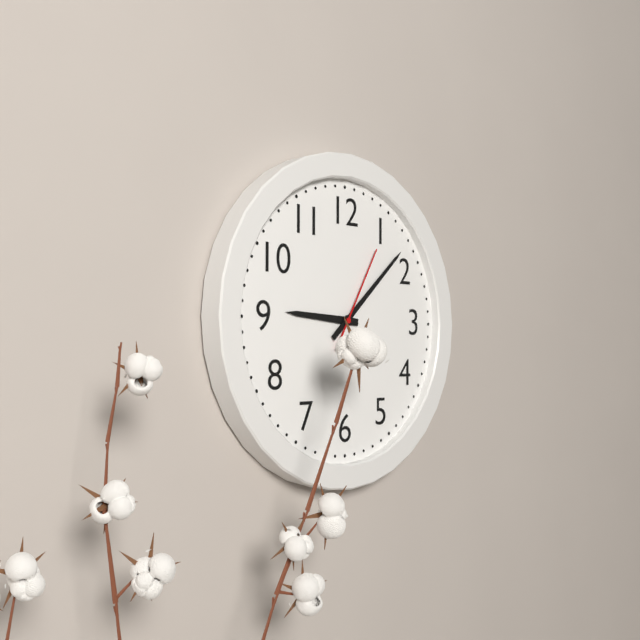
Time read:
**9:08:05**
